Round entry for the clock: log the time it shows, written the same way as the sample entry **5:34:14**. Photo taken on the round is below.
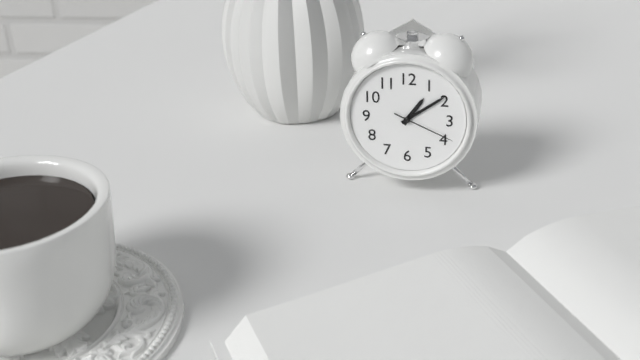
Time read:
**1:09:19**
